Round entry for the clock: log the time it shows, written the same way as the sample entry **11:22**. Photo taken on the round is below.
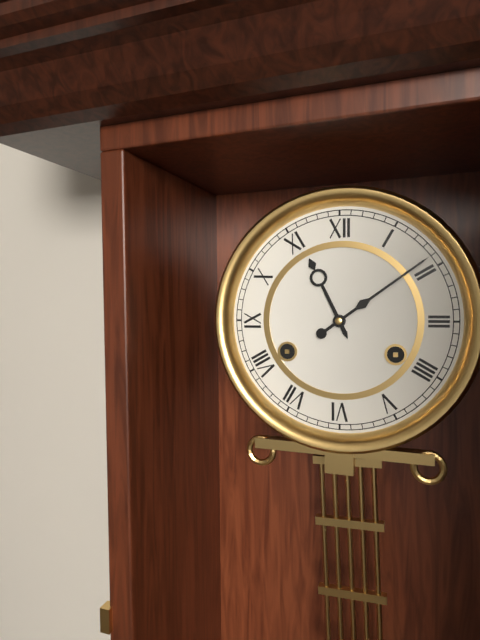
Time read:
**11:09**
